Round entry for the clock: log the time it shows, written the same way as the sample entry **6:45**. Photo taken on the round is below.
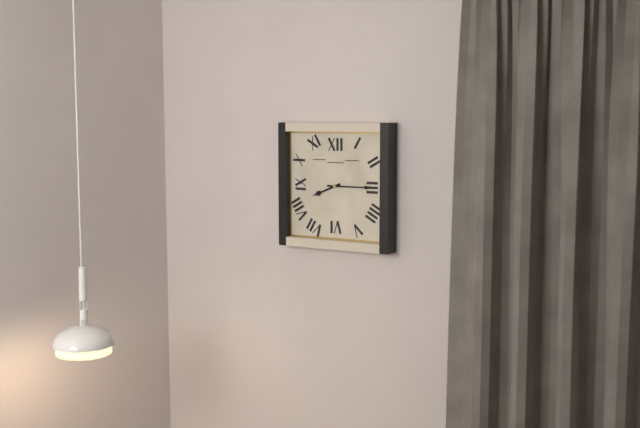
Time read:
**8:15**
